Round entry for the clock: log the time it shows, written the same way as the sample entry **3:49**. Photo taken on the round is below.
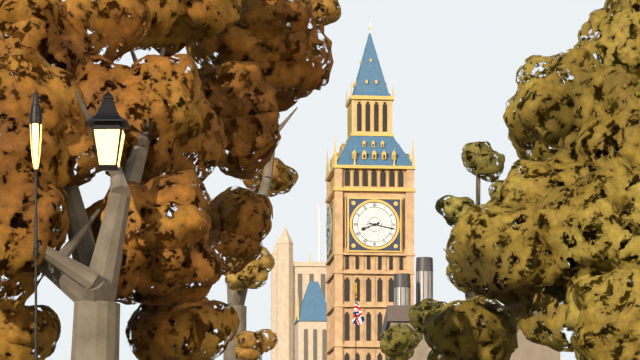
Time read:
**8:17**
